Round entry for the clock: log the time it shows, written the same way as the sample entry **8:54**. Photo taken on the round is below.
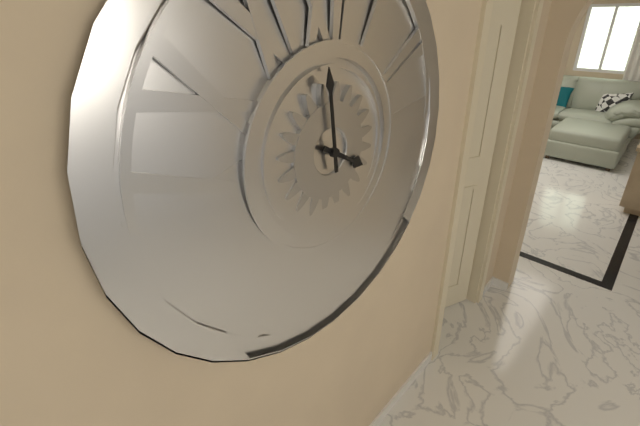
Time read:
**3:59**
